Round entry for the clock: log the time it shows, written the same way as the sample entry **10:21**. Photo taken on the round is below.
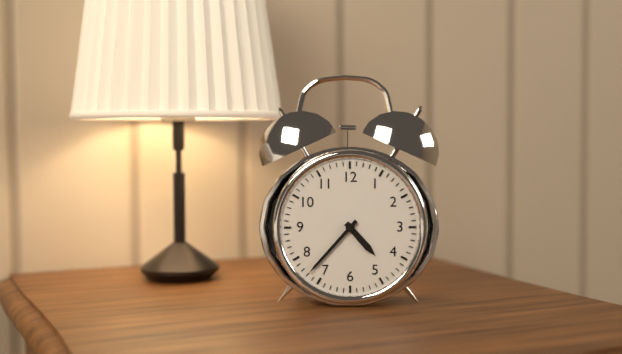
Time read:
**4:37**
